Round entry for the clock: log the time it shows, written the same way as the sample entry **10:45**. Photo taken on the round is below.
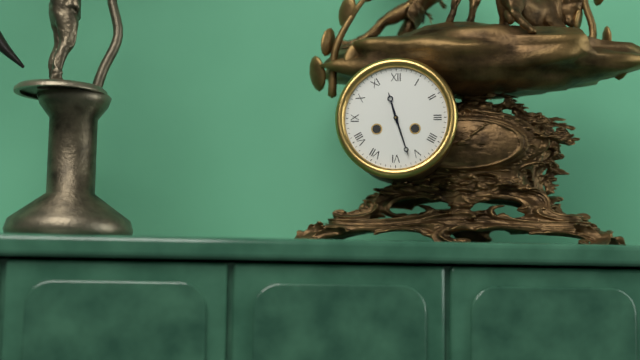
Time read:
**11:27**
